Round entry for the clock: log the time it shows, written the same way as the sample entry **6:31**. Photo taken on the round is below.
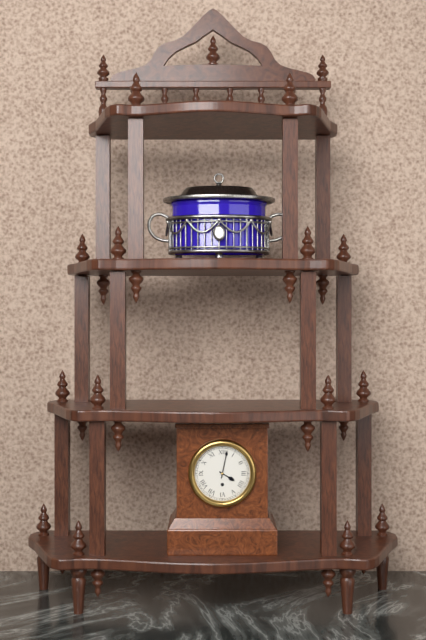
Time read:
**4:02**
